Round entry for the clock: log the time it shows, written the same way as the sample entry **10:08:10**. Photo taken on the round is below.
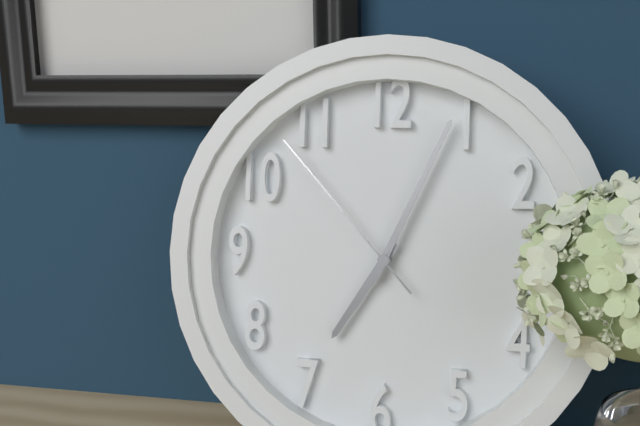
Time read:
**7:04:53**
